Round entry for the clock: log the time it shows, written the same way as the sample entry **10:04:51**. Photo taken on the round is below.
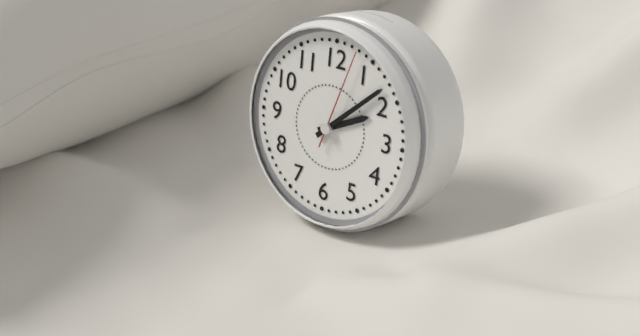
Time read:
**2:08:03**
